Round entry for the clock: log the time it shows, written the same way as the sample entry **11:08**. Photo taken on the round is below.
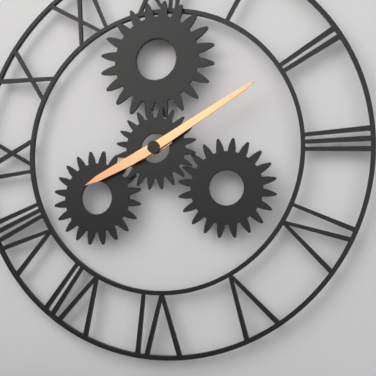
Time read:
**8:10**
